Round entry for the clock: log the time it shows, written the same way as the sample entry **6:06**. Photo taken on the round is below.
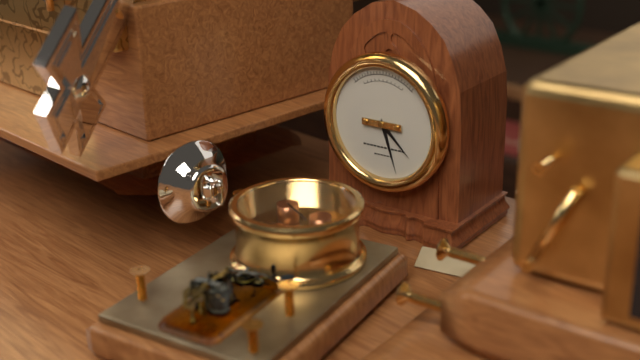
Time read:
**4:27**
